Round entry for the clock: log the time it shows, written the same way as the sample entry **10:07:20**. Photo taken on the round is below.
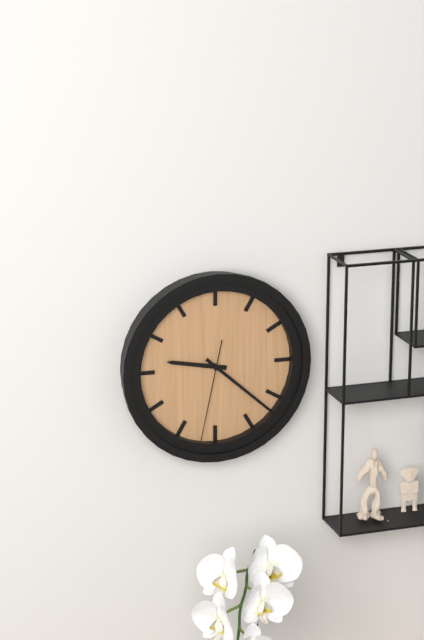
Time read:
**9:22:32**
